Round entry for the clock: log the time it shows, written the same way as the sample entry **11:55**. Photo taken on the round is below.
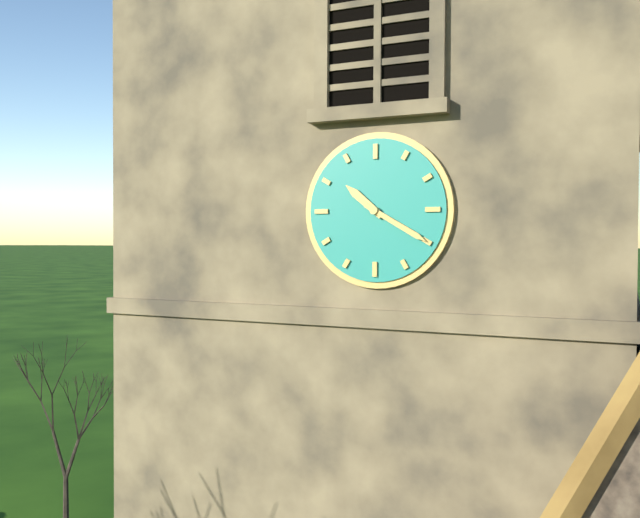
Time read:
**10:20**
